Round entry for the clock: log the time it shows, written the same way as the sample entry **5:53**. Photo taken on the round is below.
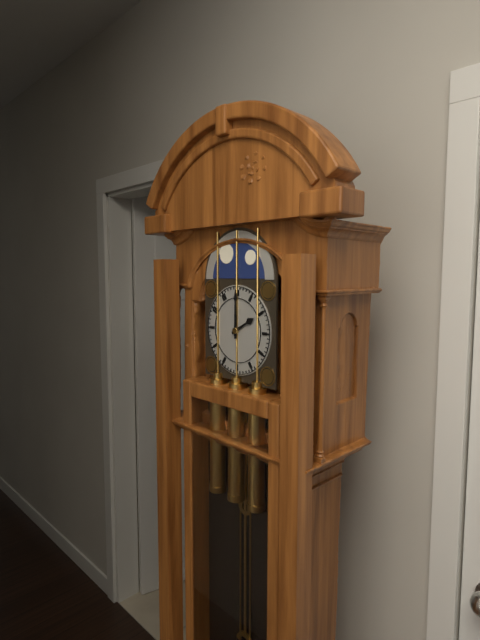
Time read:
**2:00**
